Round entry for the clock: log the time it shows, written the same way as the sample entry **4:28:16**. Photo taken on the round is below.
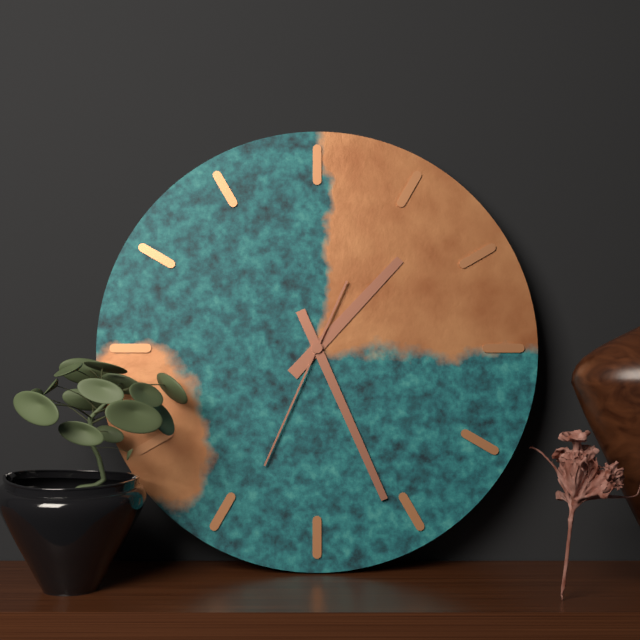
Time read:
**1:26:34**
